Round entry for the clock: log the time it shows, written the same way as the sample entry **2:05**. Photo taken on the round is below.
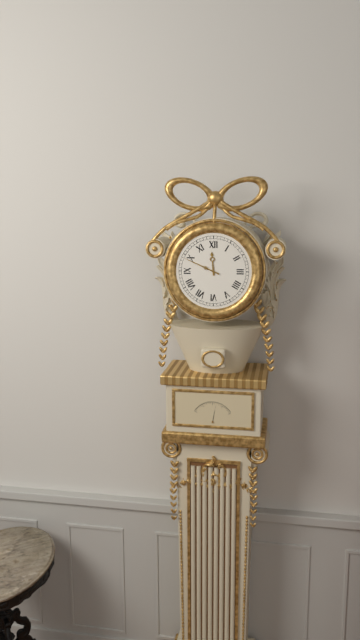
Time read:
**11:49**
